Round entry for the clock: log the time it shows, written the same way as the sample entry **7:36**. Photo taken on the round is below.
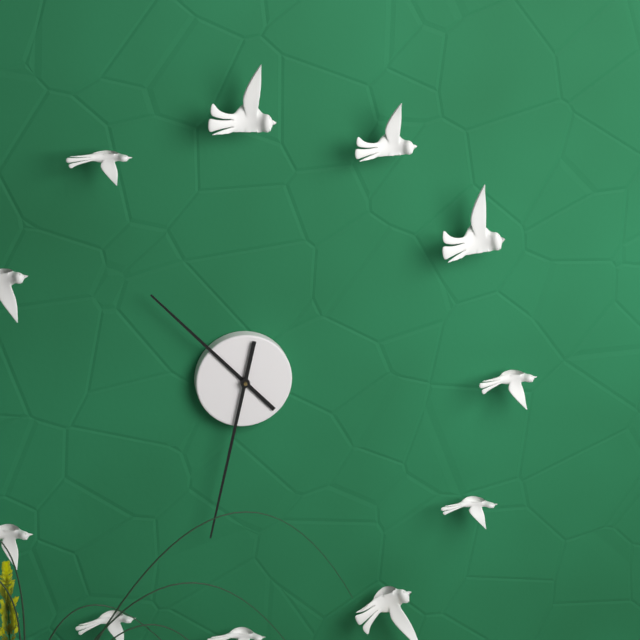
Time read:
**10:32**
